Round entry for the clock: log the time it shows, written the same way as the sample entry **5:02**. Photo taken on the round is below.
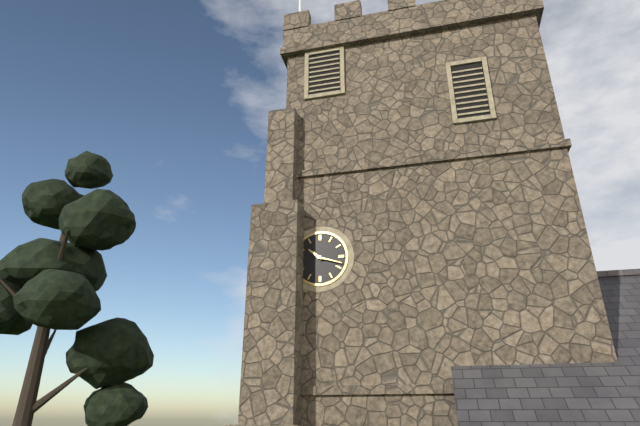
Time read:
**10:18**
